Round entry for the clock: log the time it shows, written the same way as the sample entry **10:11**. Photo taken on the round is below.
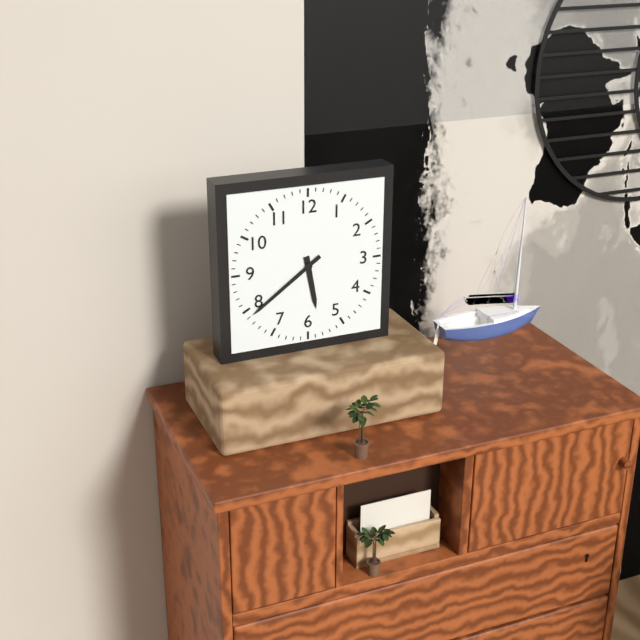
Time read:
**5:39**
